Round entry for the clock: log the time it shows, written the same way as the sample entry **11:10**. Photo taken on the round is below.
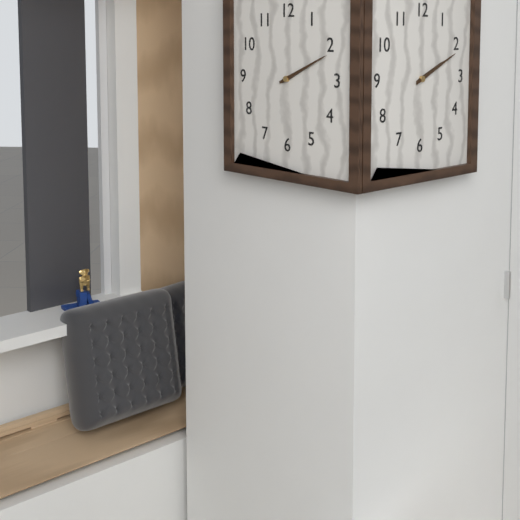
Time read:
**2:11**
